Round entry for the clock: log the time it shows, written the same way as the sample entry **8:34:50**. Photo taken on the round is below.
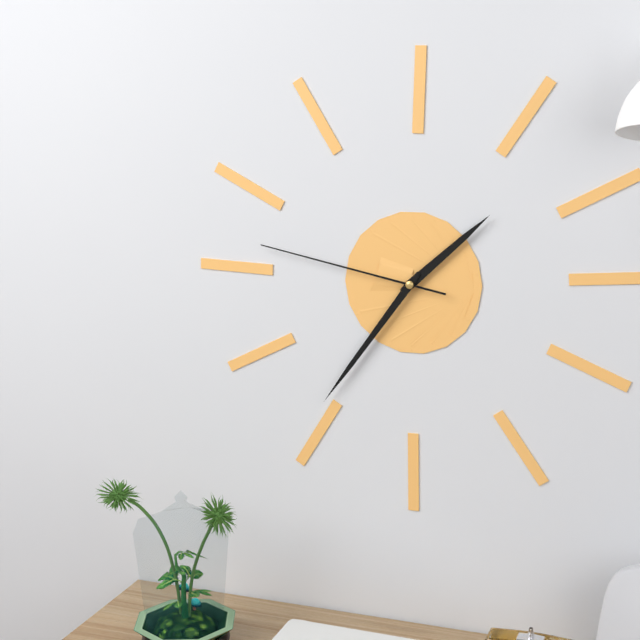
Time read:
**1:36:47**
